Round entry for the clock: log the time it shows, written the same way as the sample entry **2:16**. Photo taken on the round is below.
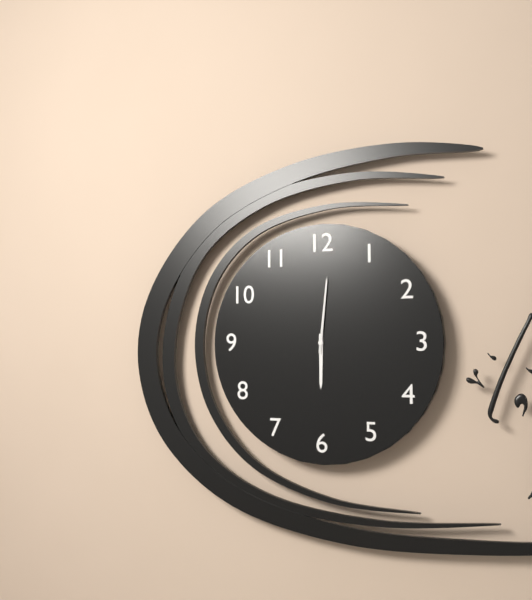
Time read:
**6:01**
